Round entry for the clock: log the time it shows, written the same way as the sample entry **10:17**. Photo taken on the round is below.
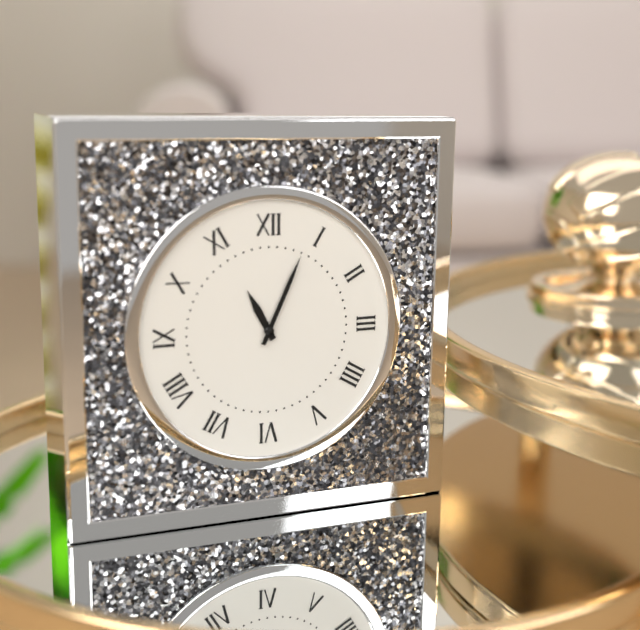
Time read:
**11:04**
